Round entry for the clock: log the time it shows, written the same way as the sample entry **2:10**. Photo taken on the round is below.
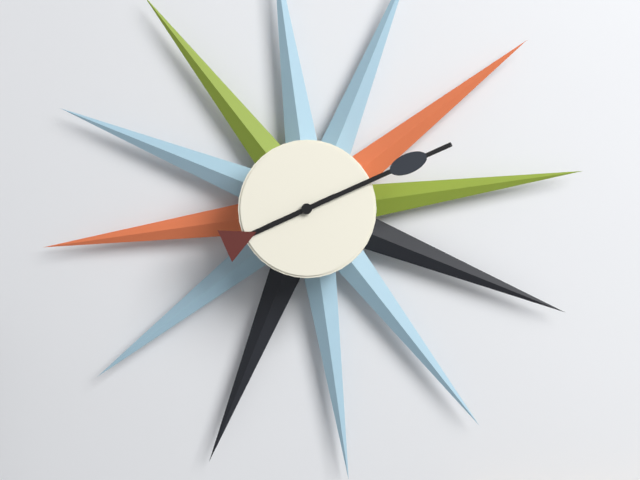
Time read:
**8:11**
